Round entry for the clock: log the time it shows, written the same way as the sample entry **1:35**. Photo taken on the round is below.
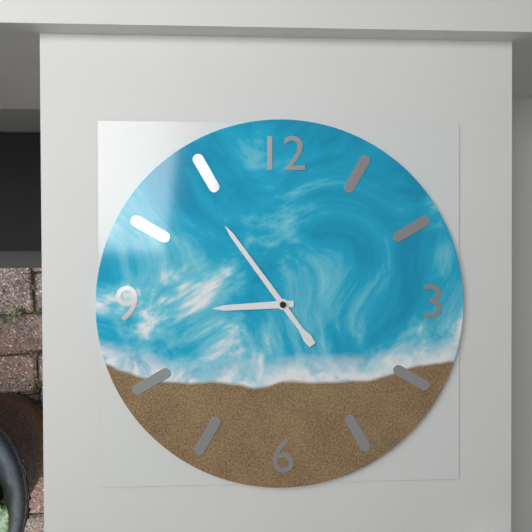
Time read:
**8:54**
